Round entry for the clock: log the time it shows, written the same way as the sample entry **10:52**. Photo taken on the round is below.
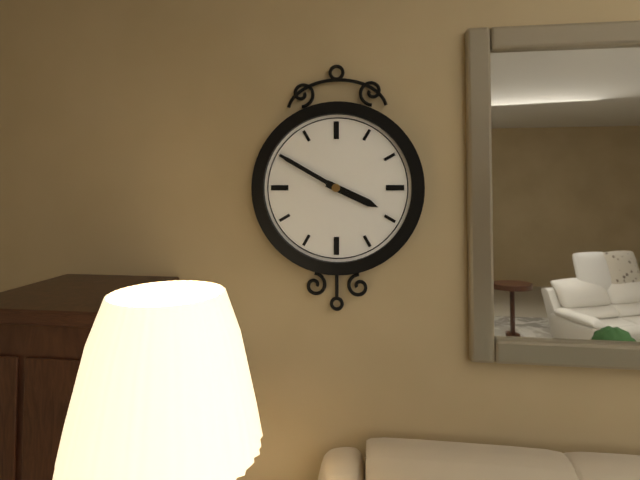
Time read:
**3:50**
